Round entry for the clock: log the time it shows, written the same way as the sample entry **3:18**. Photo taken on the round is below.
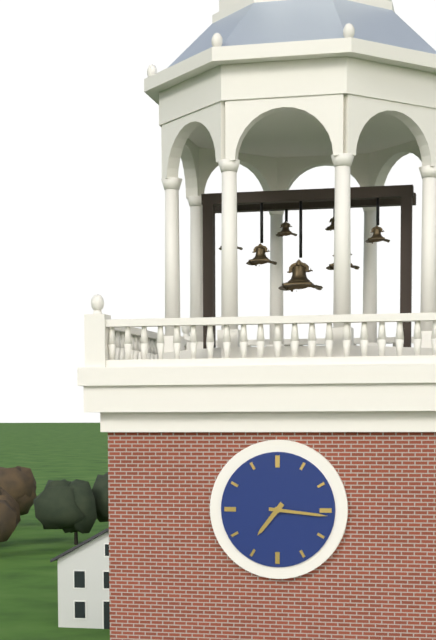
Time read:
**7:16**
